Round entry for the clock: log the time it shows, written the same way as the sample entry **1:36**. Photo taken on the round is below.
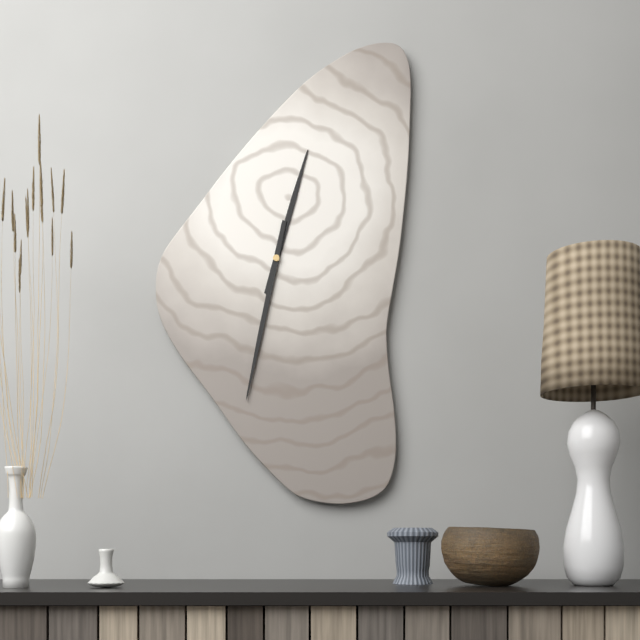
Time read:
**12:32**
